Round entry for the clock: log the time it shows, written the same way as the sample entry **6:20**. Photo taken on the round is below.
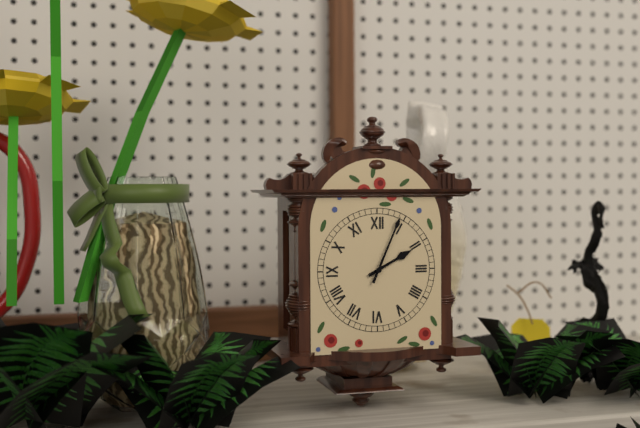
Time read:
**2:04**
